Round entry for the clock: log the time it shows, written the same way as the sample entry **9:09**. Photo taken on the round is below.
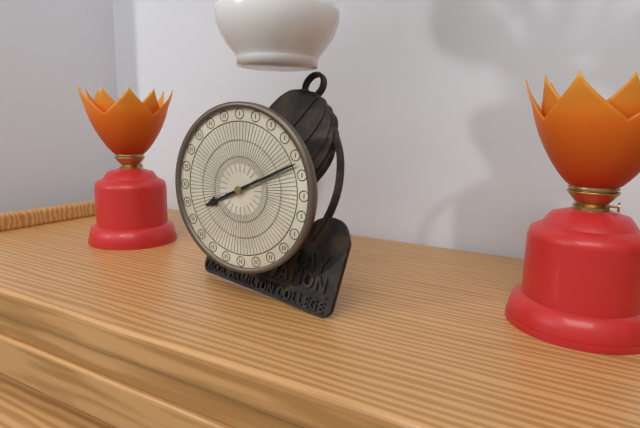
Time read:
**8:11**
